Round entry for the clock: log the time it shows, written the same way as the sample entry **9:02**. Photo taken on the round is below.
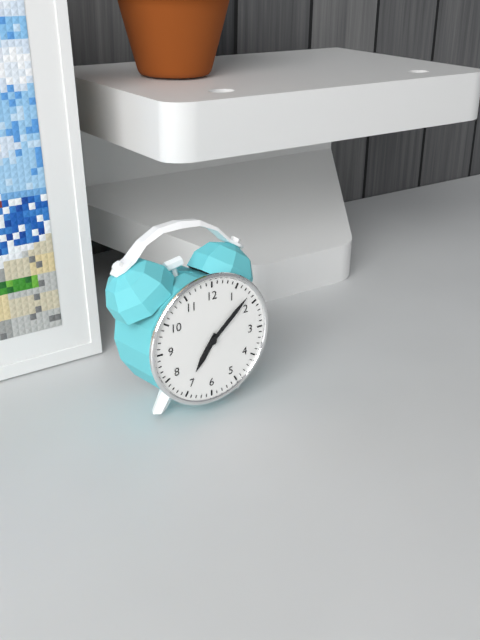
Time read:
**7:08**
